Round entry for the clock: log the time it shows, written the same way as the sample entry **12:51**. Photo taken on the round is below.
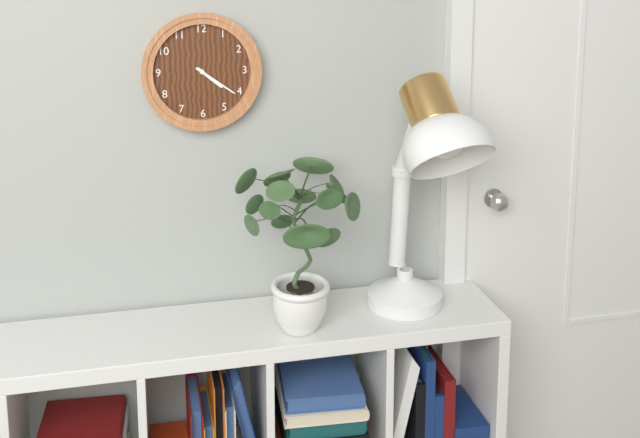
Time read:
**4:21**
